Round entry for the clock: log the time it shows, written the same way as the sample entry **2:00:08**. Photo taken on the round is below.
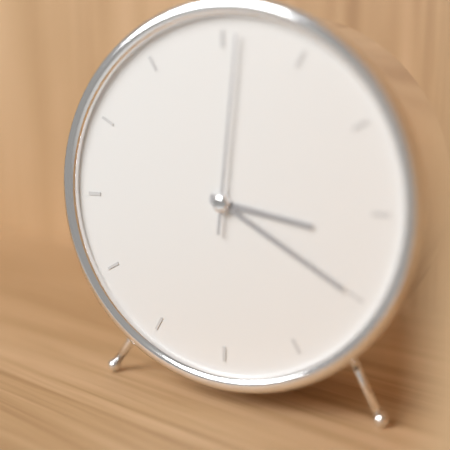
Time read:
**3:20:01**
